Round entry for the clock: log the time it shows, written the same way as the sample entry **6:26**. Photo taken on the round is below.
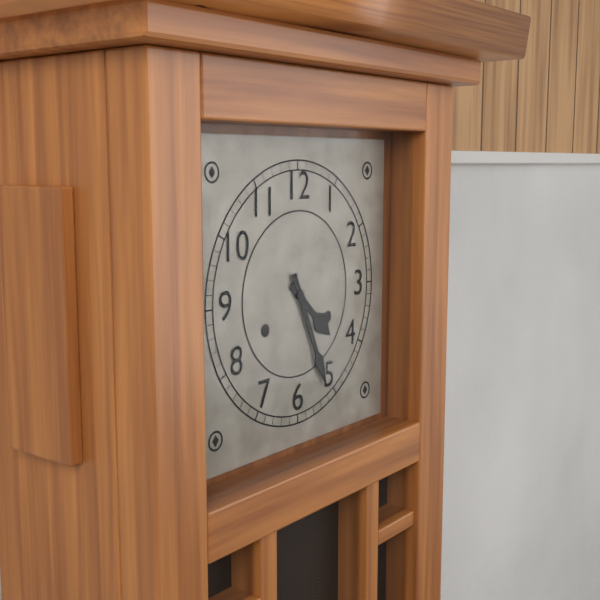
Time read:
**4:26**
